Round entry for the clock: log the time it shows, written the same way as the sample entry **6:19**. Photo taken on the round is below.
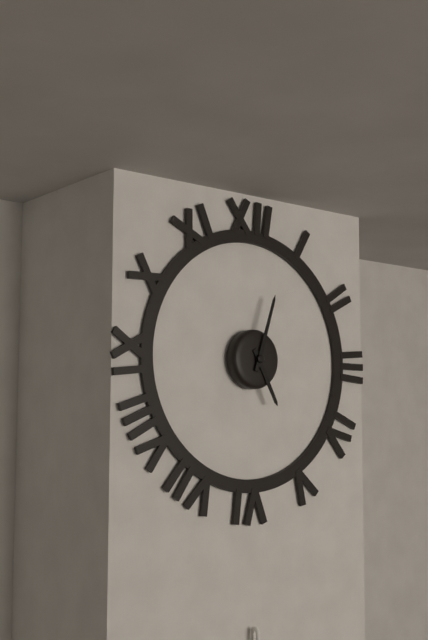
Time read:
**5:03**
